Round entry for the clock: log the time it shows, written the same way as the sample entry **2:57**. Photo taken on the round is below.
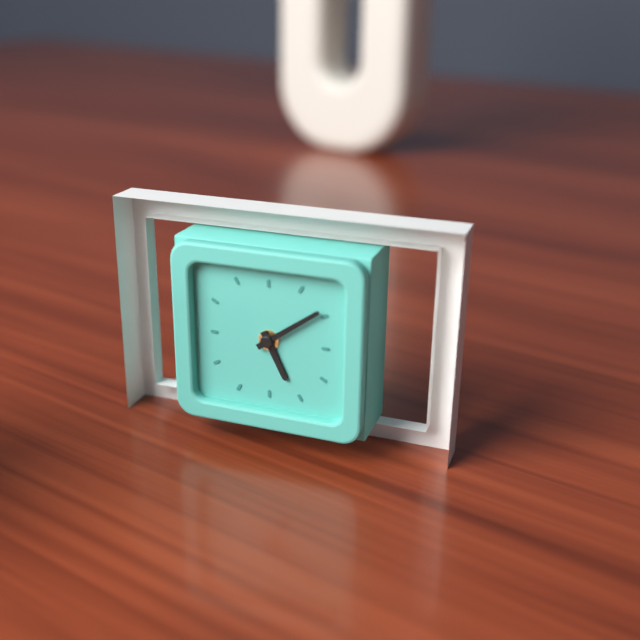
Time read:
**5:09**
